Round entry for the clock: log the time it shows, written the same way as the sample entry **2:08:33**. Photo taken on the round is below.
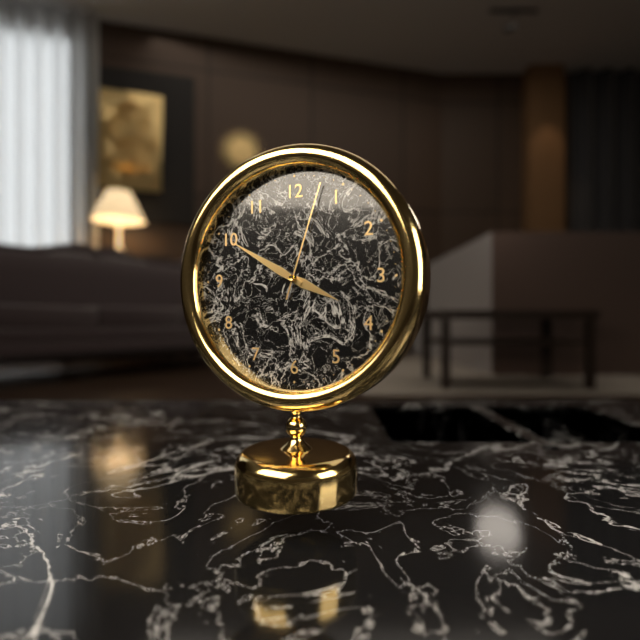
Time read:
**3:50:03**
